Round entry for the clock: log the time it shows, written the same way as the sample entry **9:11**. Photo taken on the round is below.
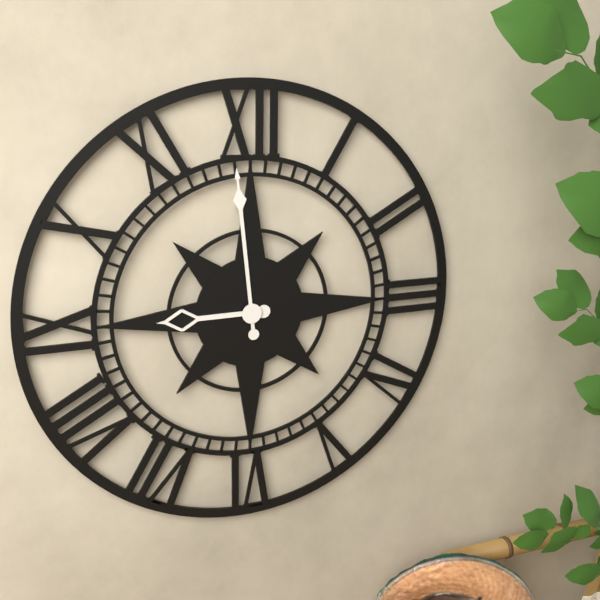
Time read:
**8:59**
